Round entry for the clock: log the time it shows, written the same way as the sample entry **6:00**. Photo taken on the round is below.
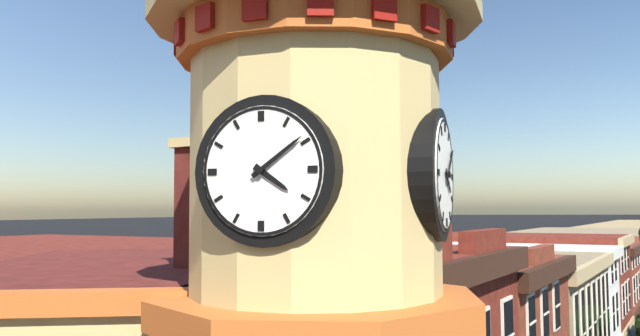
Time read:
**4:09**
